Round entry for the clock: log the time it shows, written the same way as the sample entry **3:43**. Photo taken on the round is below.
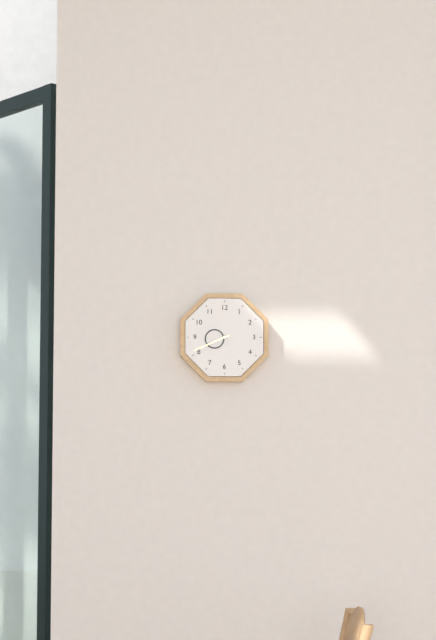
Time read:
**8:41**
